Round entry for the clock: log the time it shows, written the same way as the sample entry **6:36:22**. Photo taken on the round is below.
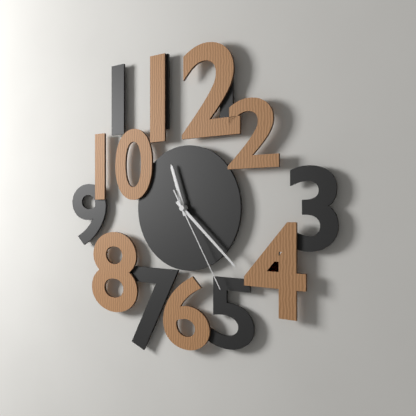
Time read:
**11:22:25**
